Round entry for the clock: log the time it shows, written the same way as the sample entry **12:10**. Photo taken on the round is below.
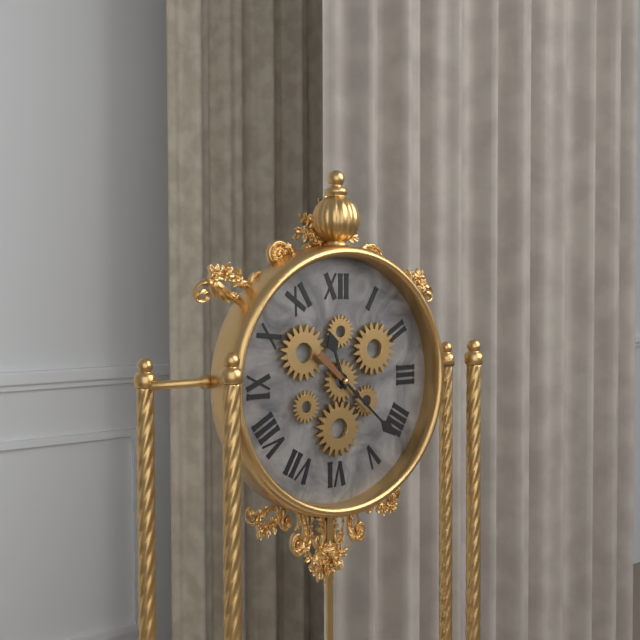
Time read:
**11:22**
